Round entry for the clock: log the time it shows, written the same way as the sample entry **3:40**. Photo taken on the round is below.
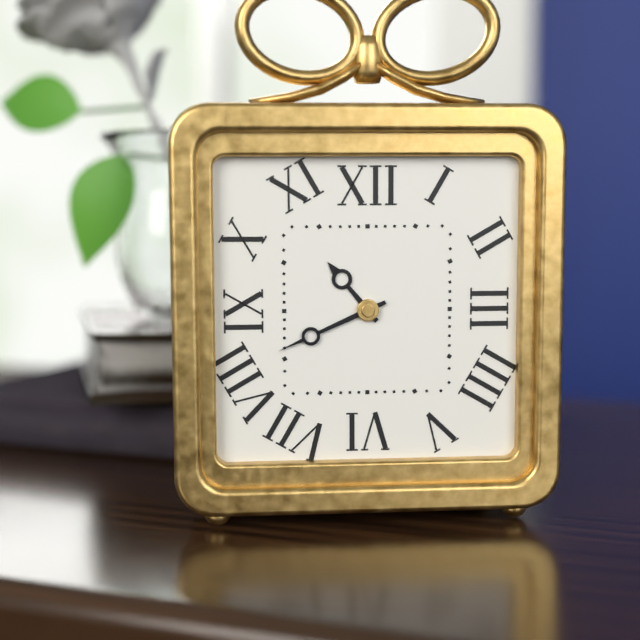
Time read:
**10:41**
